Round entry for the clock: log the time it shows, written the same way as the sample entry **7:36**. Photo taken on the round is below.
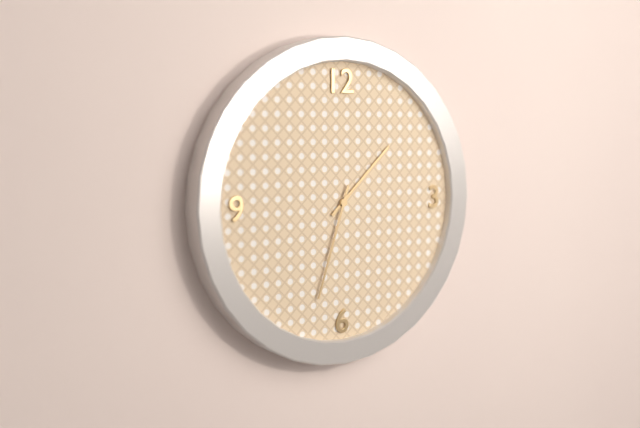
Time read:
**1:33**
